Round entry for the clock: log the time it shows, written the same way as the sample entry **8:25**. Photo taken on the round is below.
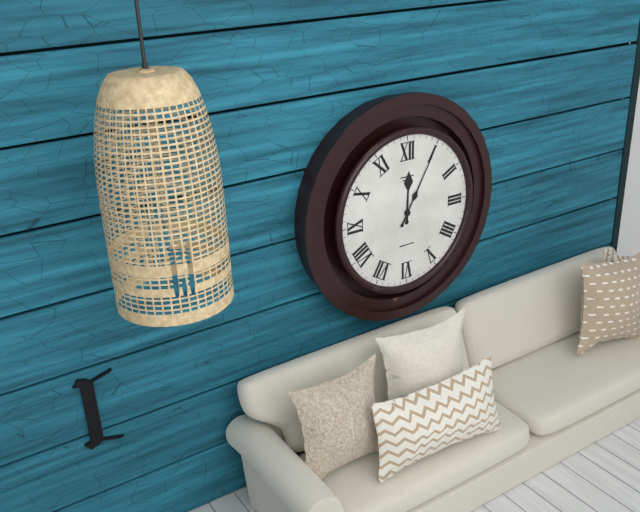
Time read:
**12:05**
